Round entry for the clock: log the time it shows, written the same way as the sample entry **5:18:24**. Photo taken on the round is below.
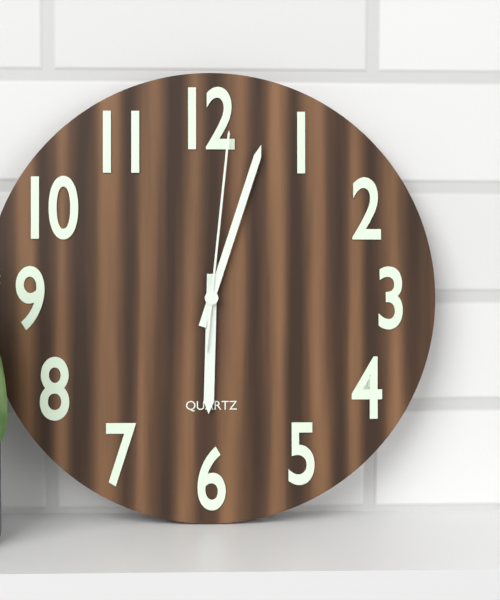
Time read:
**6:03:01**
